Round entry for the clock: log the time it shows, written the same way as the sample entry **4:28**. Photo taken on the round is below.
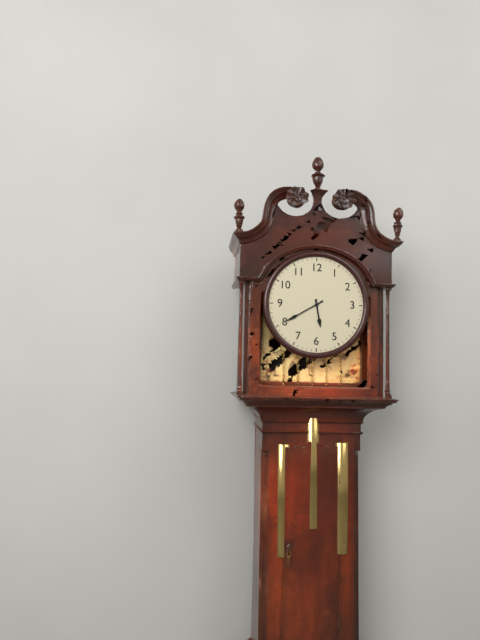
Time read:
**5:40**
